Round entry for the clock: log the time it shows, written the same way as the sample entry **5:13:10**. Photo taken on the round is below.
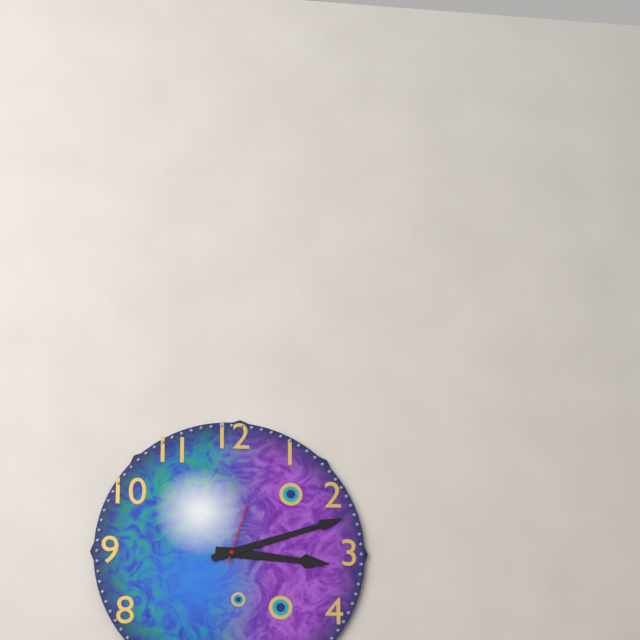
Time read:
**3:12:03**
